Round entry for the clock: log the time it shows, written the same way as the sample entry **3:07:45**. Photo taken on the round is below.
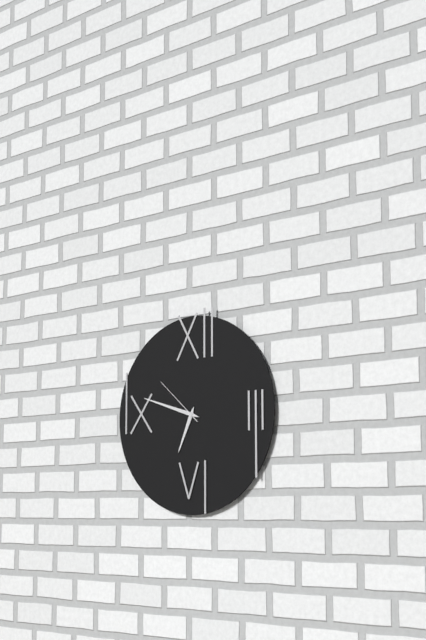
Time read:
**6:48:52**
